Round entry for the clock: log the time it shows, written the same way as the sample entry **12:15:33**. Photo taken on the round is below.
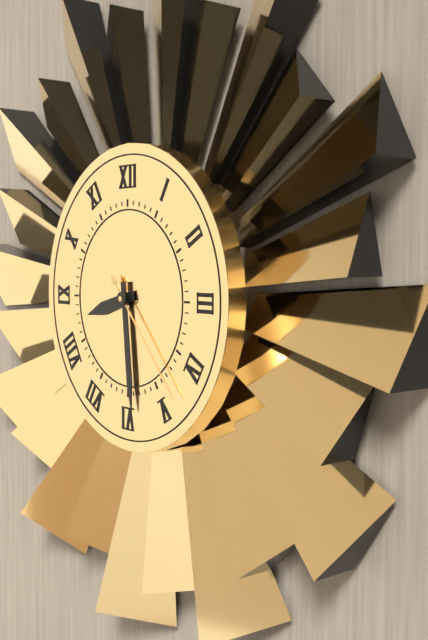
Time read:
**8:29:23**
